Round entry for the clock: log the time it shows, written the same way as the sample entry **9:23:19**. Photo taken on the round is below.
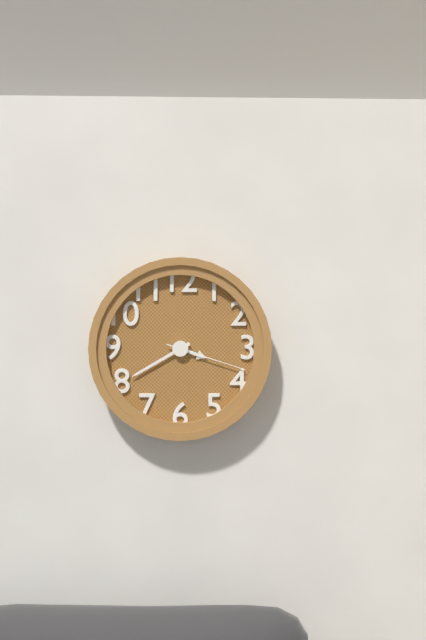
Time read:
**3:40:18**
